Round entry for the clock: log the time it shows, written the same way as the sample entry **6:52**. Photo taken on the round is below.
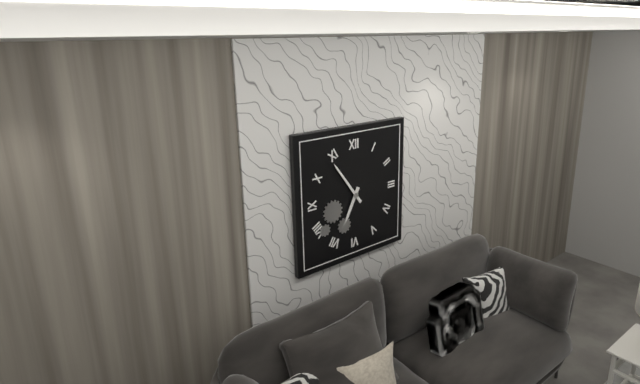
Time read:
**6:54**
